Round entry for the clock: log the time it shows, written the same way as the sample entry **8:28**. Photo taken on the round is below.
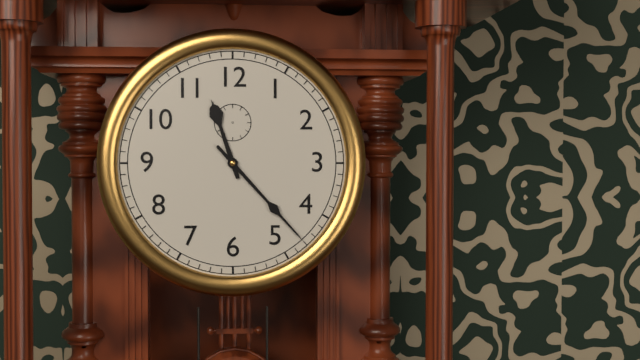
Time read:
**11:23**
